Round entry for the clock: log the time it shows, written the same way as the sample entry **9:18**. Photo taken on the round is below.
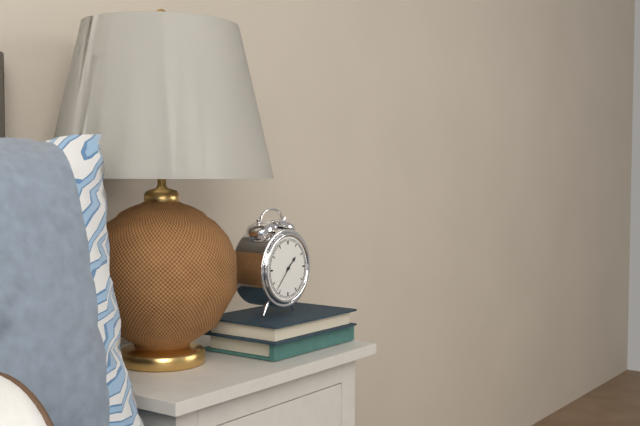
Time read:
**1:37**
